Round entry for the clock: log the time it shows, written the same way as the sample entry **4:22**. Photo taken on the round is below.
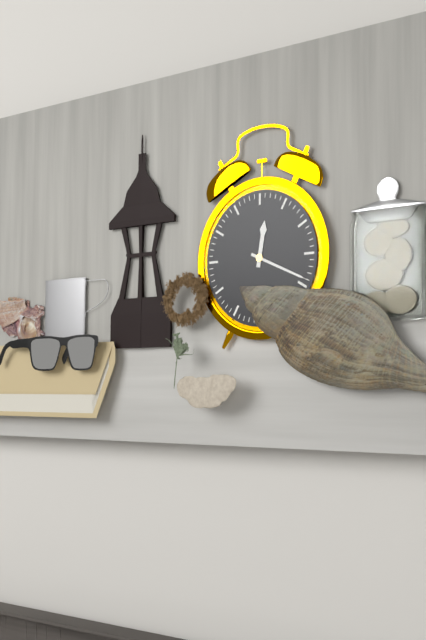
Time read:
**12:19**
